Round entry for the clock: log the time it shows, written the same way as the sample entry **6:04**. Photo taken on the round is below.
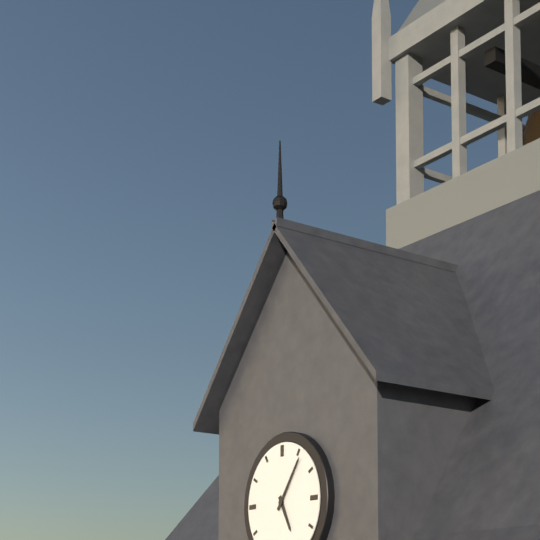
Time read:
**5:06**
